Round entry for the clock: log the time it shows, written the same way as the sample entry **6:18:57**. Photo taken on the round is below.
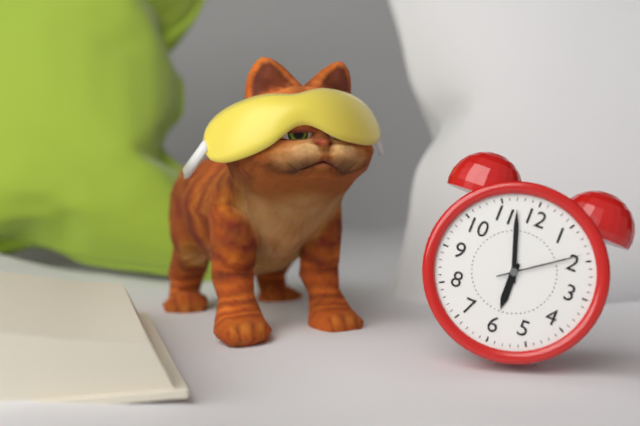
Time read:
**5:57:09**
